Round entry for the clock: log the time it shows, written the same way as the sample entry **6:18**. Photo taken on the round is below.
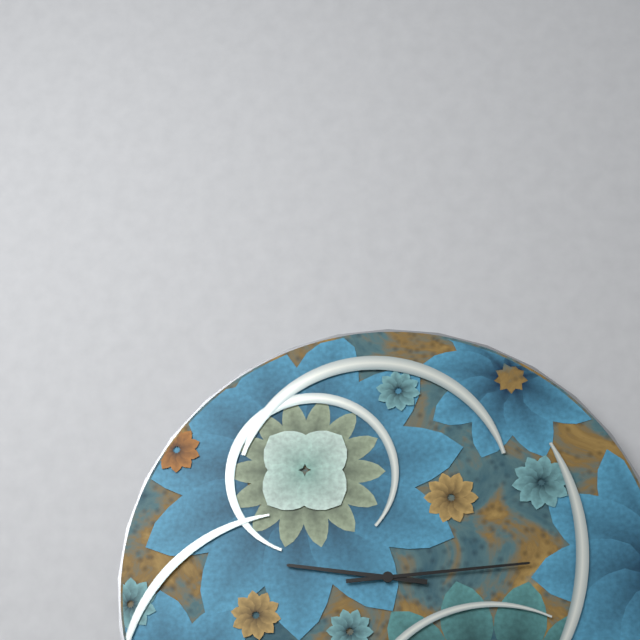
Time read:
**9:14**
